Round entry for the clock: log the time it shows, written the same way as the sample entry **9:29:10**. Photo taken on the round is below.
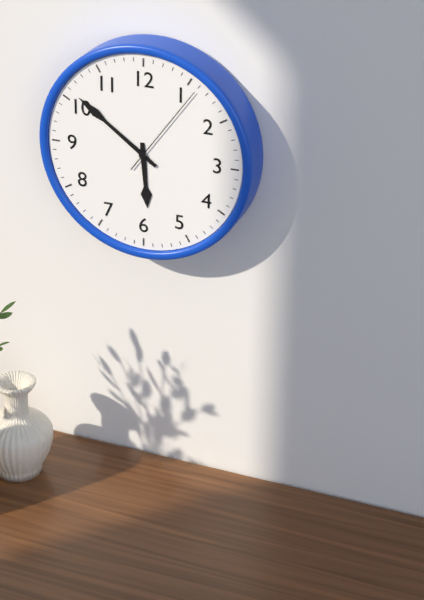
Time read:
**5:51:06**
